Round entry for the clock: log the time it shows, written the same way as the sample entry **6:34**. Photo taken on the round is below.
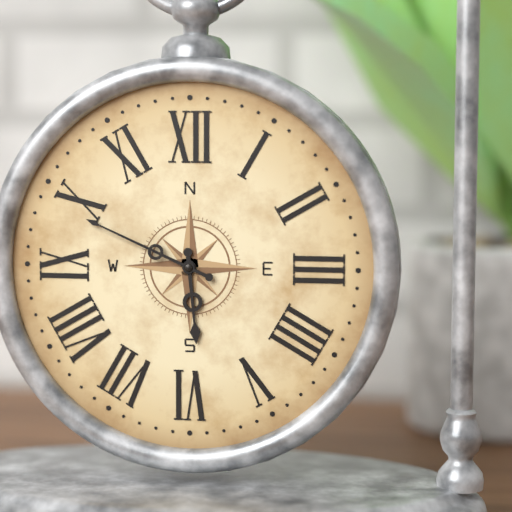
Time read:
**5:49**
